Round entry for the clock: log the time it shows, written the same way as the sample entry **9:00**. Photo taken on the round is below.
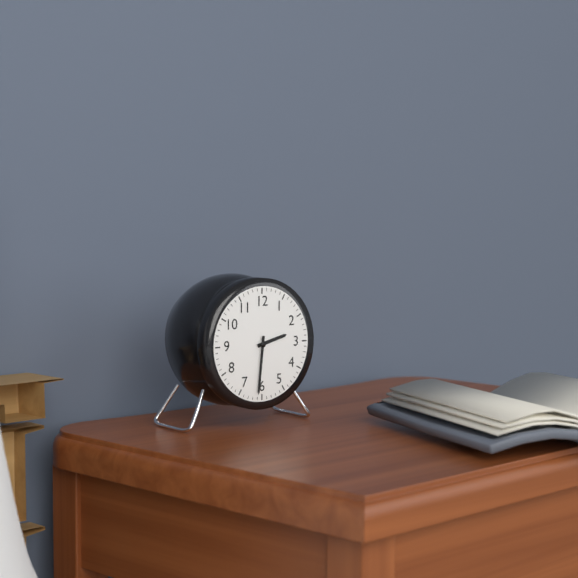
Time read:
**2:31**
